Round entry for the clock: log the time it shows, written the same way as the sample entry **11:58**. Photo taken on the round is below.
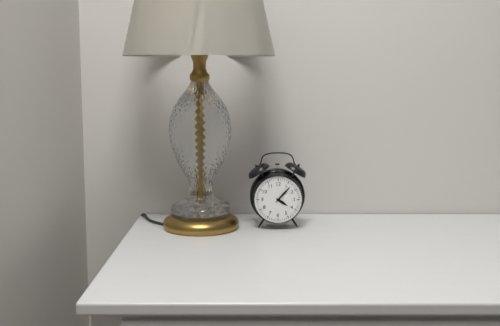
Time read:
**4:07**
